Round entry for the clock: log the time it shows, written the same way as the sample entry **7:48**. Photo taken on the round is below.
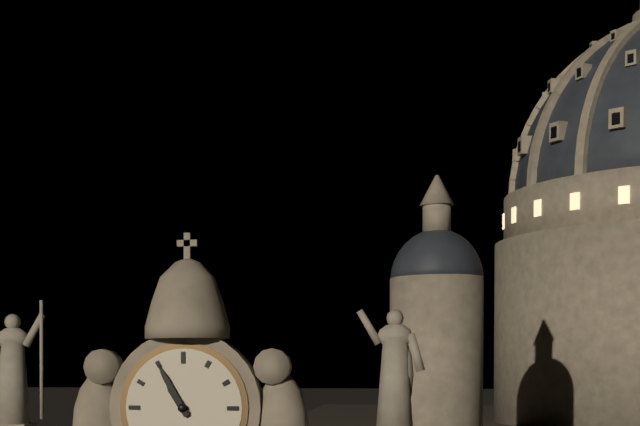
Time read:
**10:55**
